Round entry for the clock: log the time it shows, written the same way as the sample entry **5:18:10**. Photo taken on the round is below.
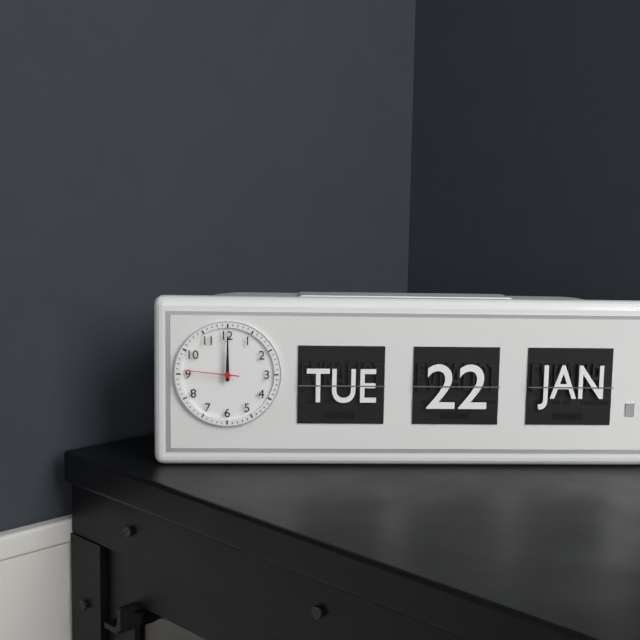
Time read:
**12:00:46**
